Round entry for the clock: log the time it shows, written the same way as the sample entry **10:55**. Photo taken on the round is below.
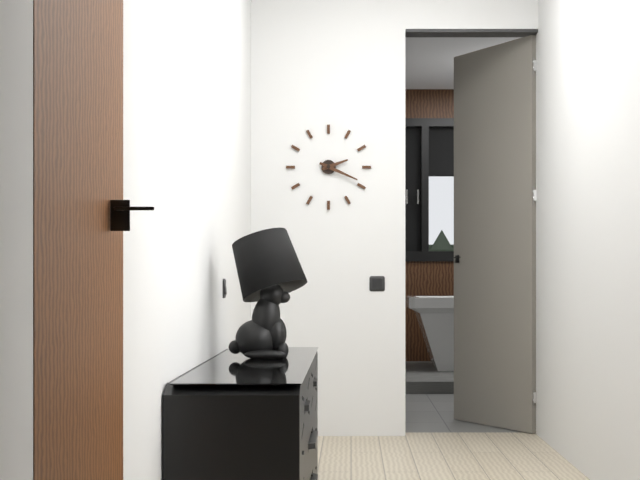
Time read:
**2:19**
